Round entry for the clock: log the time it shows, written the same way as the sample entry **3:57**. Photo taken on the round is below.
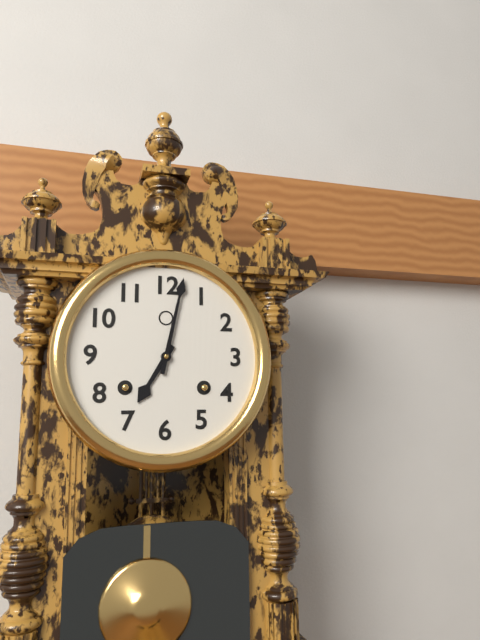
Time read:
**7:02**
